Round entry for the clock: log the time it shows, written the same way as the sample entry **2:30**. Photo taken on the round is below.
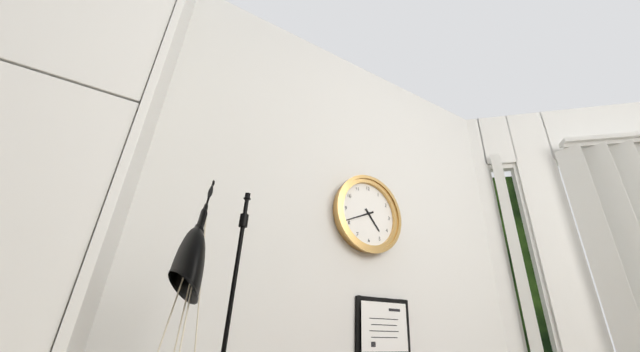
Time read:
**4:41**
